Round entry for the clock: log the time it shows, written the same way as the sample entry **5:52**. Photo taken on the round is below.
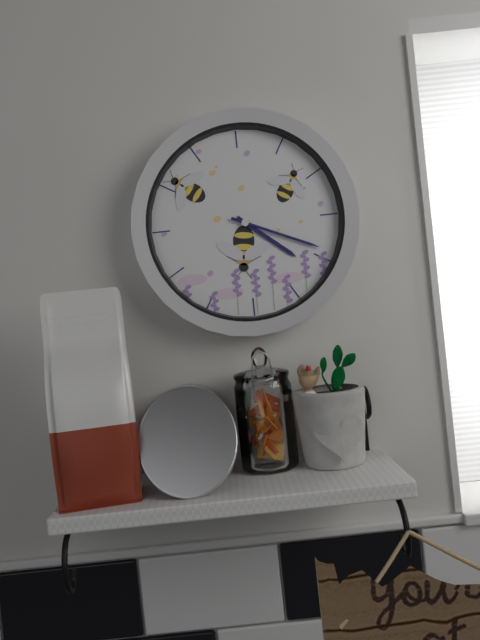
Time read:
**4:19**
